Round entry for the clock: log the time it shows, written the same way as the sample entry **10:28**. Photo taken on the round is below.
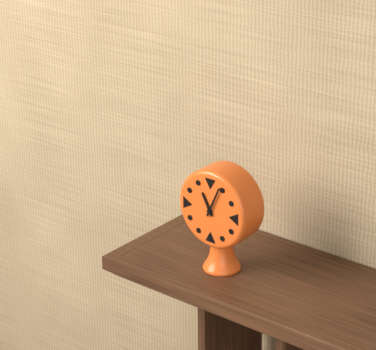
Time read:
**11:04**
